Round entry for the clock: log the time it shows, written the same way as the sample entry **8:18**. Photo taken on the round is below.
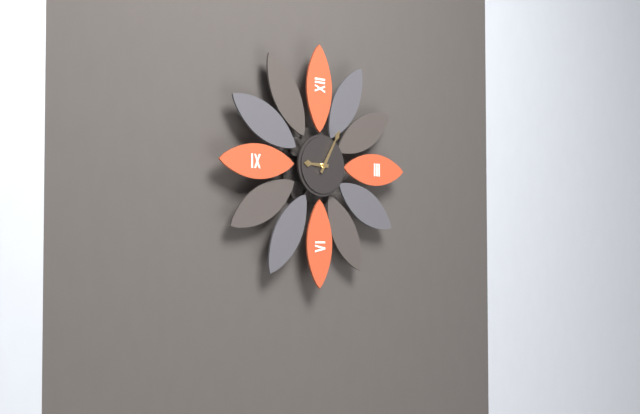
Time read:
**9:05**
